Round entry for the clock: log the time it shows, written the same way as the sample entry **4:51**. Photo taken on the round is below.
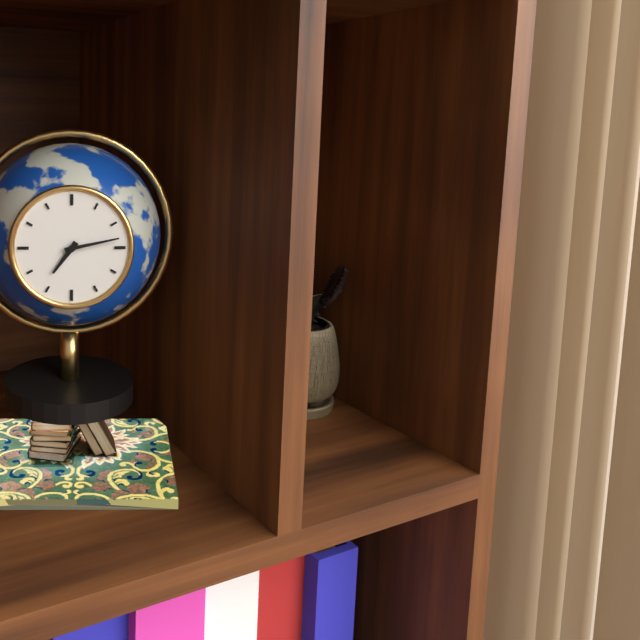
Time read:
**7:13**
